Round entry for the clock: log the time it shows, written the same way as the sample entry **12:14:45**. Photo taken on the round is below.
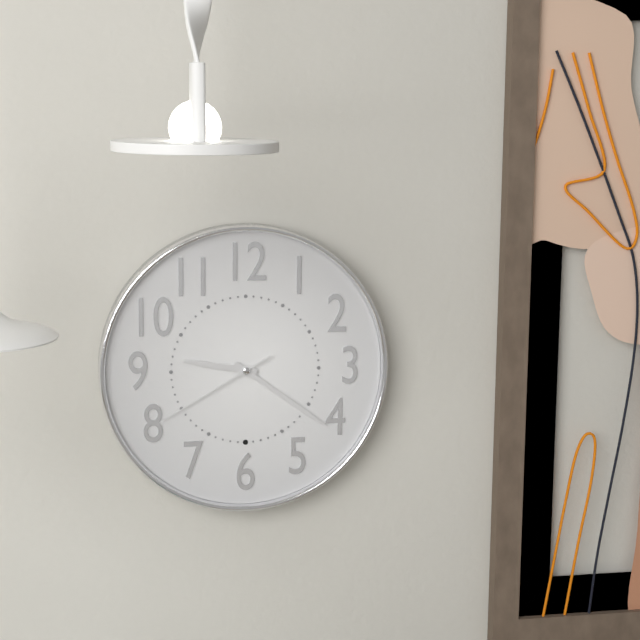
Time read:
**9:21:40**
